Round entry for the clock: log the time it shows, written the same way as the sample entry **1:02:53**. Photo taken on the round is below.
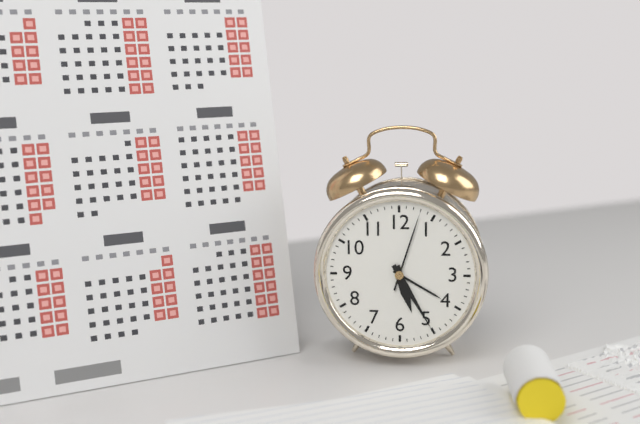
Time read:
**5:25:03**
